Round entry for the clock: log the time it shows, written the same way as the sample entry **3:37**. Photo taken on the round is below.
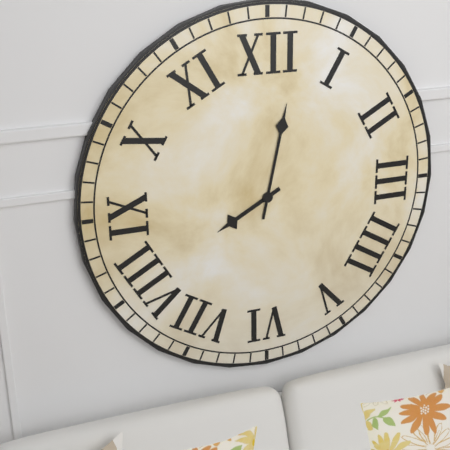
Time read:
**8:02**
